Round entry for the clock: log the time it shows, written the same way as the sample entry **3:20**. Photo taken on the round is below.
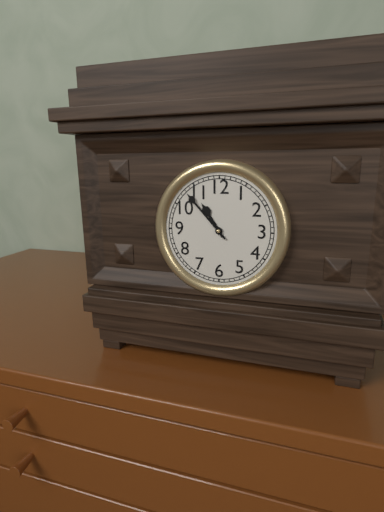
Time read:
**10:53**
